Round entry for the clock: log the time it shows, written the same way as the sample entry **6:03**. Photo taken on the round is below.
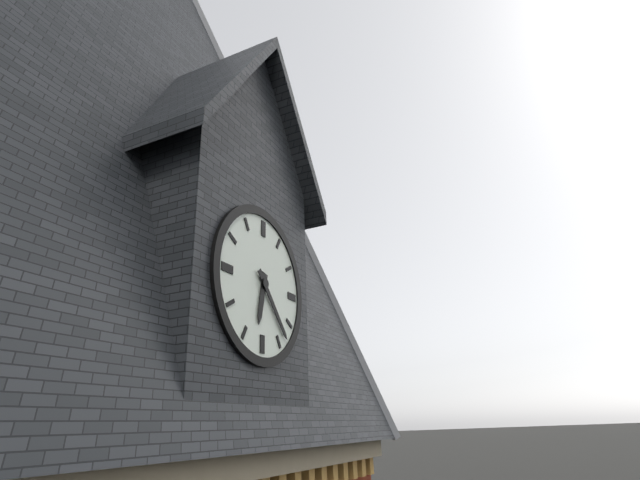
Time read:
**6:23**
